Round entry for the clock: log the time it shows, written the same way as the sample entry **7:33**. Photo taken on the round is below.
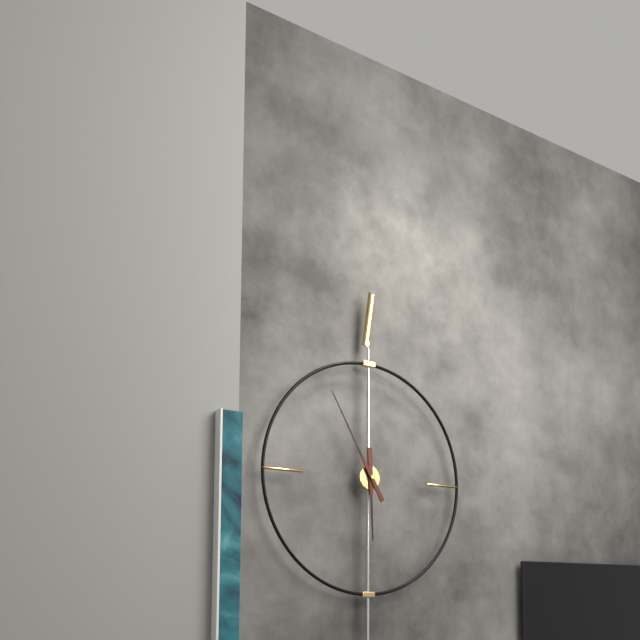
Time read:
**5:55**
